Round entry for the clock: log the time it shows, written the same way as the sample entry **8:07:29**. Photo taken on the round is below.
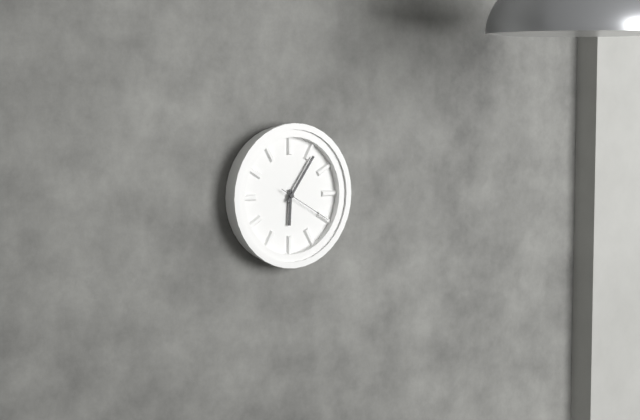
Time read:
**6:06:20**
